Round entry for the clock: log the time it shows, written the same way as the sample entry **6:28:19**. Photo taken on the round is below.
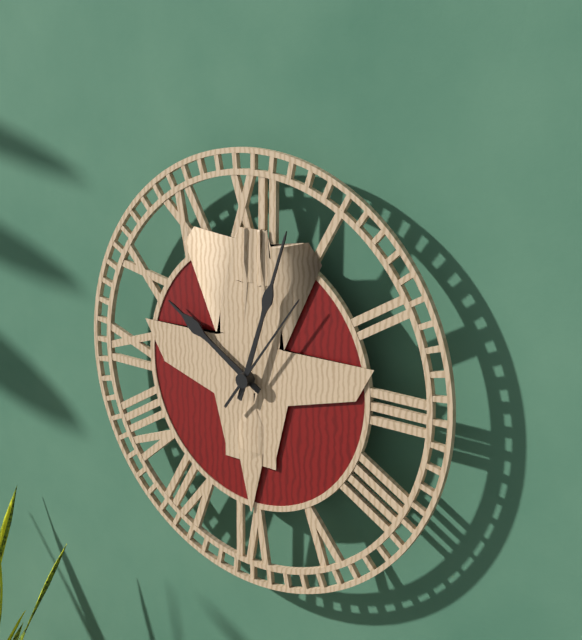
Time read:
**10:03:06**
